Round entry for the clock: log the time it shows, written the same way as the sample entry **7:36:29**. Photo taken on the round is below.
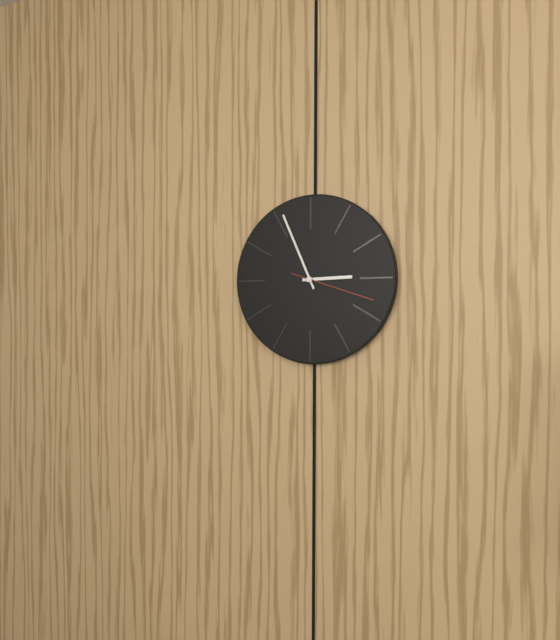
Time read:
**2:56:18**
